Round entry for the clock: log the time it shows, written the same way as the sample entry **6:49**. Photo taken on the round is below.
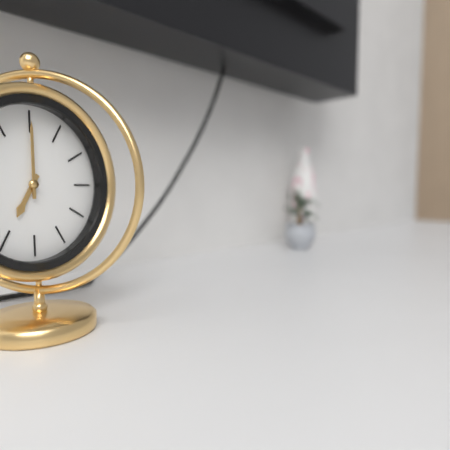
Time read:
**7:00**
